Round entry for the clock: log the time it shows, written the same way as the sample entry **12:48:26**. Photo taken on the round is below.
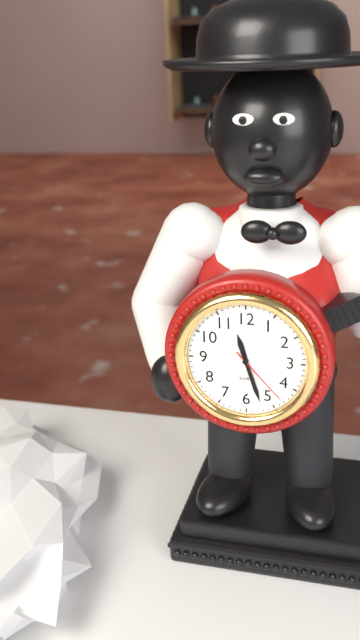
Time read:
**11:27:23**
